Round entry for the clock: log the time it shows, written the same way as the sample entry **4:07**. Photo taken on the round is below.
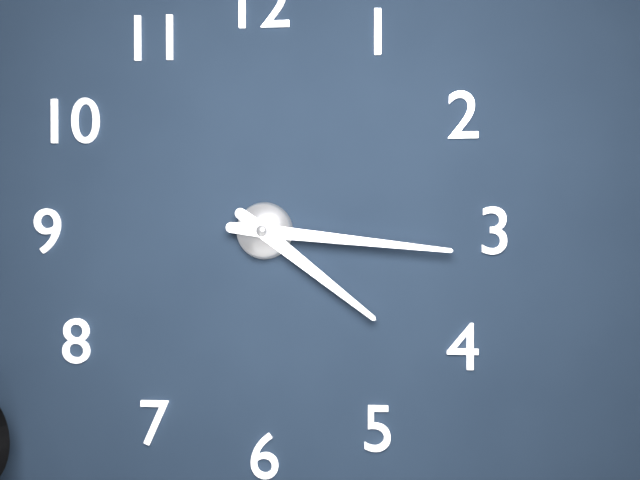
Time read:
**4:16**
